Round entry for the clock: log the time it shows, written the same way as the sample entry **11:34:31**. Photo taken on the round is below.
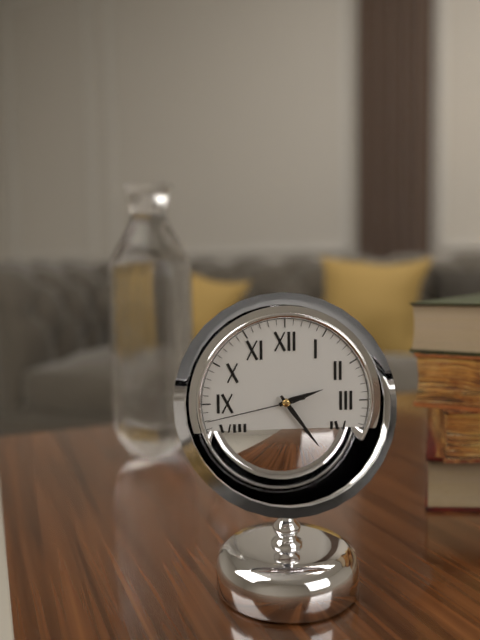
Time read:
**2:24:43**
